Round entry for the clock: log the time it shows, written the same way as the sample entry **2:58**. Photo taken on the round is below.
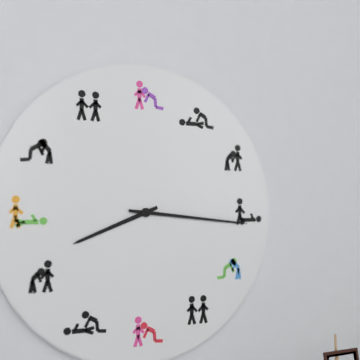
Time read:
**8:16**
